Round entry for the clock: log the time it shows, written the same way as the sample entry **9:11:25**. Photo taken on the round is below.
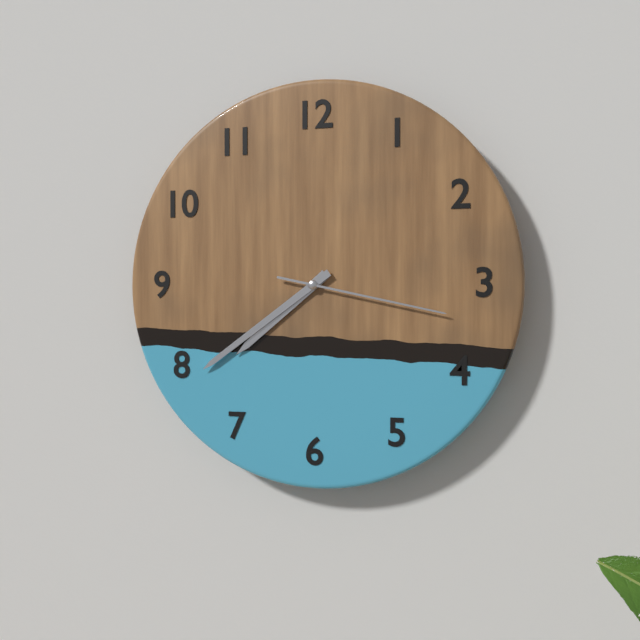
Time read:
**7:39:17**
